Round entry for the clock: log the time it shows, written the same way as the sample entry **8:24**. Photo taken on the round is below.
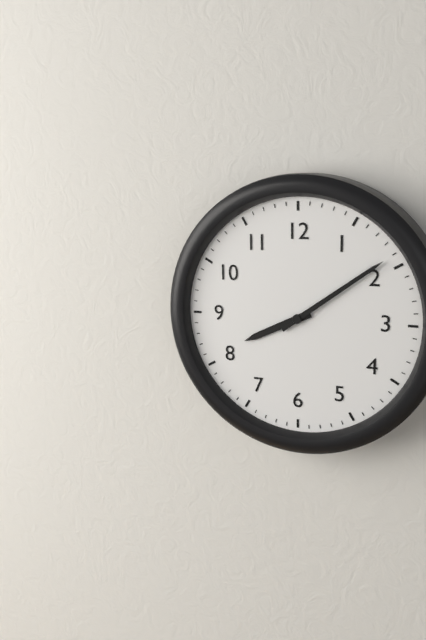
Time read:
**8:09**
